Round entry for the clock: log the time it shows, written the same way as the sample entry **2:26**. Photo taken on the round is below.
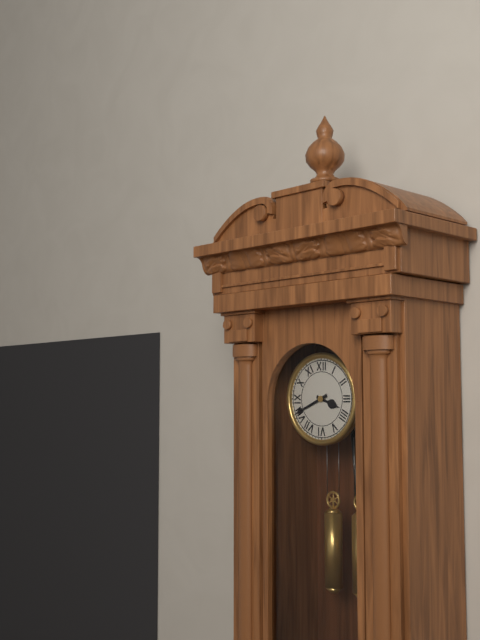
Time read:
**3:41**
